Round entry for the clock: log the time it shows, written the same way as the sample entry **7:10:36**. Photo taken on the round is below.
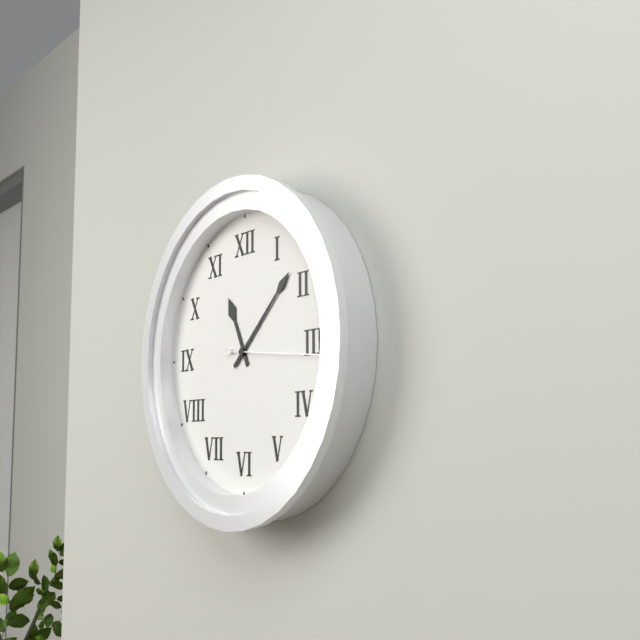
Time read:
**11:08:16**
